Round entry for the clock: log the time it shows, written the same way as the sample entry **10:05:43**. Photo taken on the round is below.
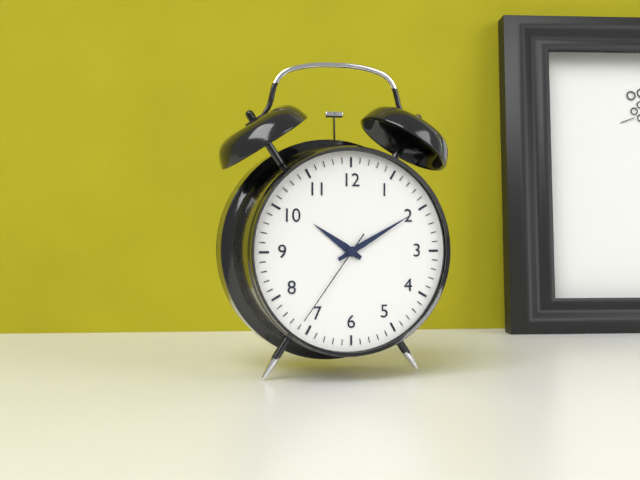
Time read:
**10:10:36**
